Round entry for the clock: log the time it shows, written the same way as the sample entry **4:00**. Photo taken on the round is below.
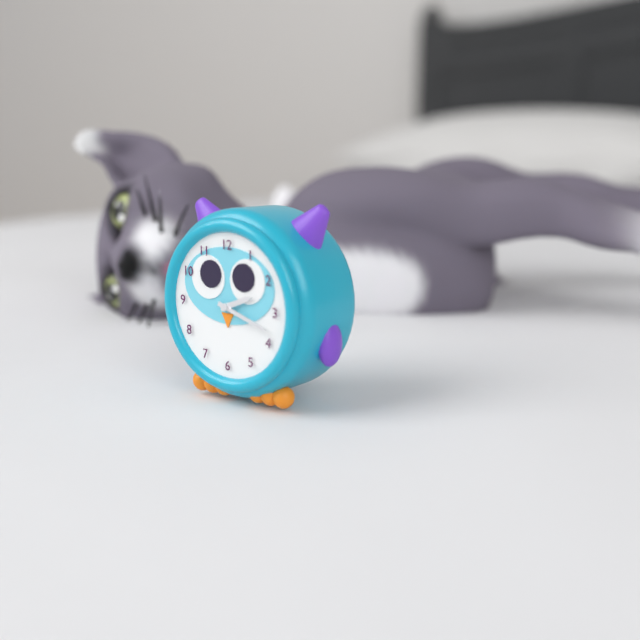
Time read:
**2:18**
